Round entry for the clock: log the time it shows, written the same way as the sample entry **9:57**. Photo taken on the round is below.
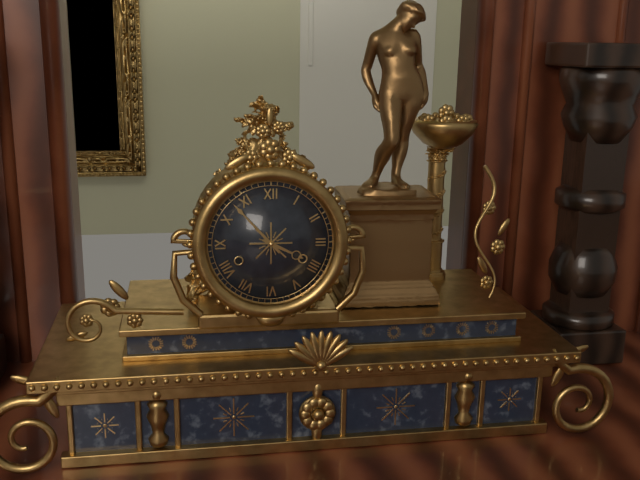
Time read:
**3:53**
